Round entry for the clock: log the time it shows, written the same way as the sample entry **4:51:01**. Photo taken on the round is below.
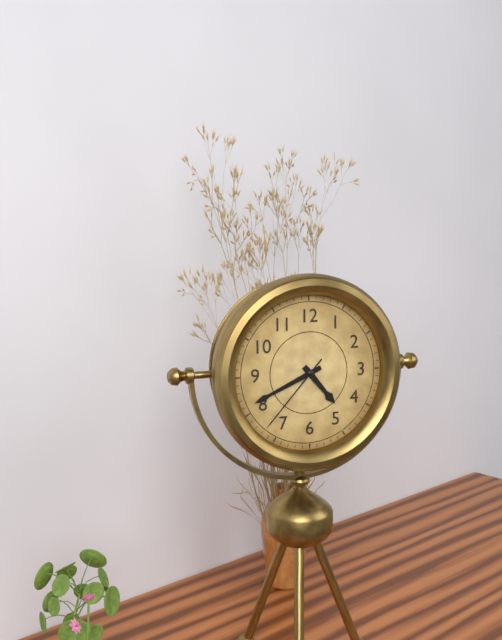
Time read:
**4:41:37**
